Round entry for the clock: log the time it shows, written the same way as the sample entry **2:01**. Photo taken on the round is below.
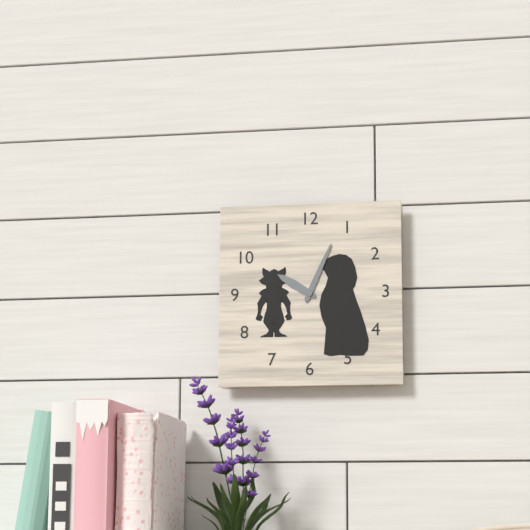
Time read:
**10:04**
